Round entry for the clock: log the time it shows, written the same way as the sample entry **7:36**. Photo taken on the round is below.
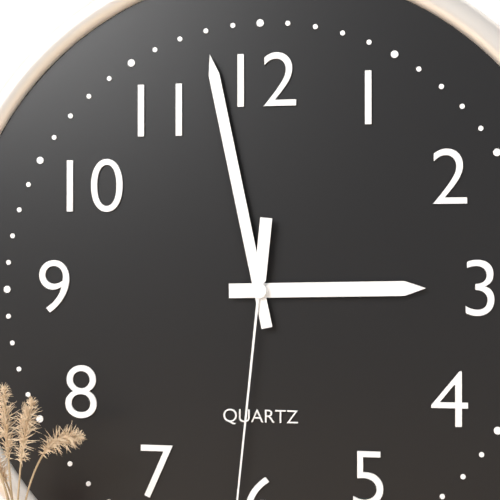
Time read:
**2:58**
